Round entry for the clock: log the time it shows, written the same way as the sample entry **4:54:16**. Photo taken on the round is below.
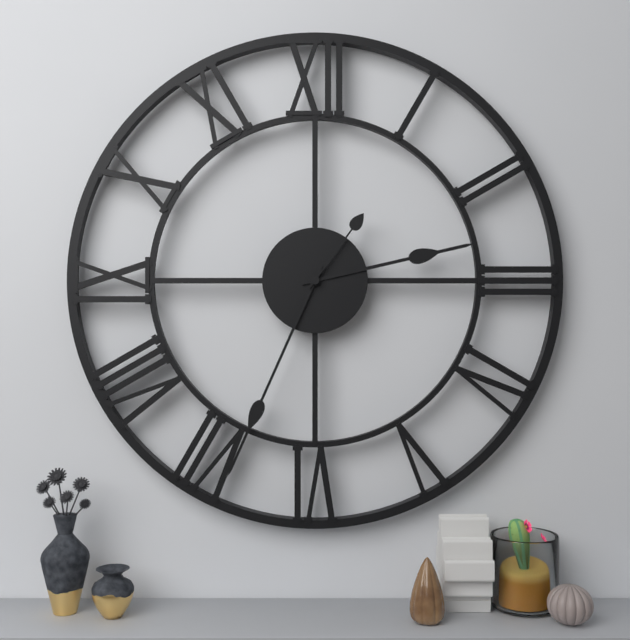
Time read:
**2:34:06**
